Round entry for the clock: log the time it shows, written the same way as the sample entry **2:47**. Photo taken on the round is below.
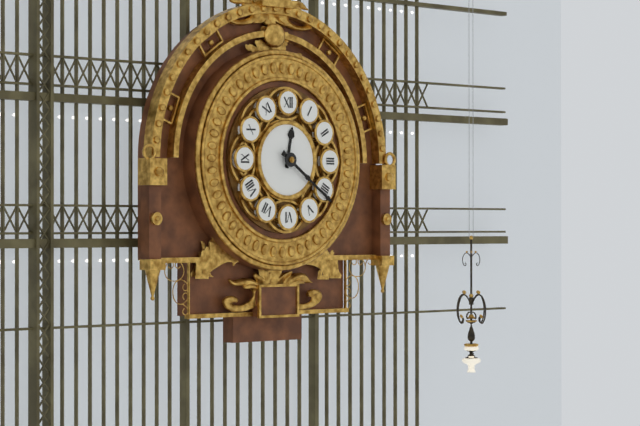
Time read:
**12:21**
